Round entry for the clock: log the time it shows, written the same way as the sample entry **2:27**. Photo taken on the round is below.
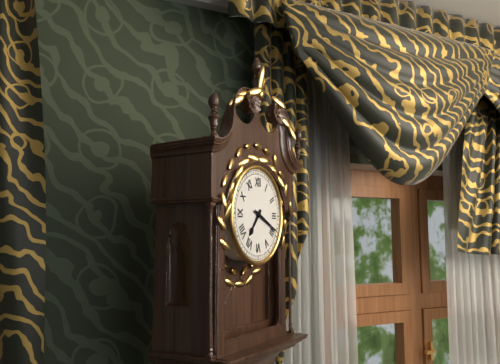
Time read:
**7:19**
